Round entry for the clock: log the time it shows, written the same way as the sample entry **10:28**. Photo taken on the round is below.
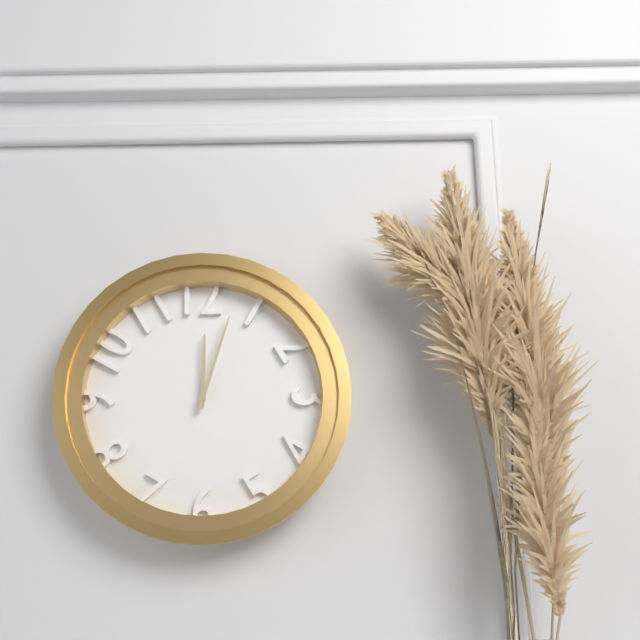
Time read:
**12:03**
